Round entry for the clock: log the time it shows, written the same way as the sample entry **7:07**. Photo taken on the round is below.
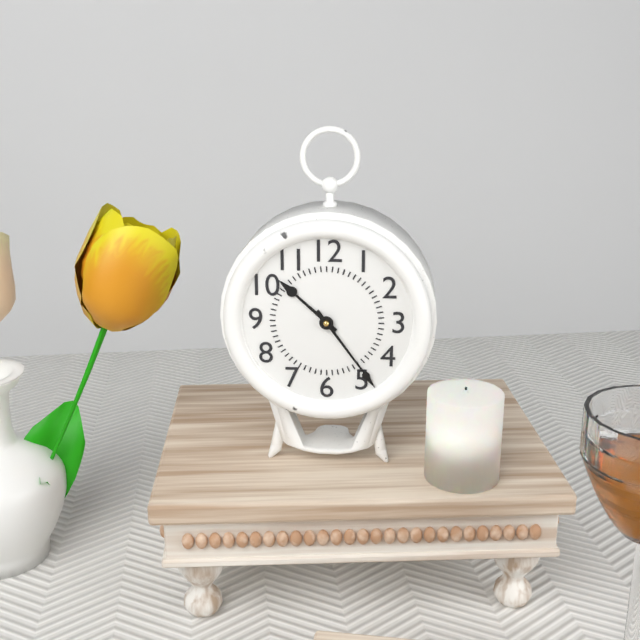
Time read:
**10:24**
